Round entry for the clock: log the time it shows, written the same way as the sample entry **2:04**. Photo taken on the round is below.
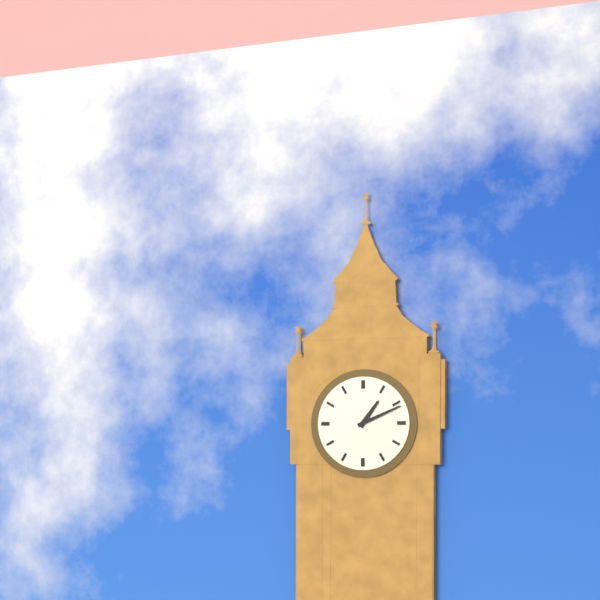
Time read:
**1:11**
